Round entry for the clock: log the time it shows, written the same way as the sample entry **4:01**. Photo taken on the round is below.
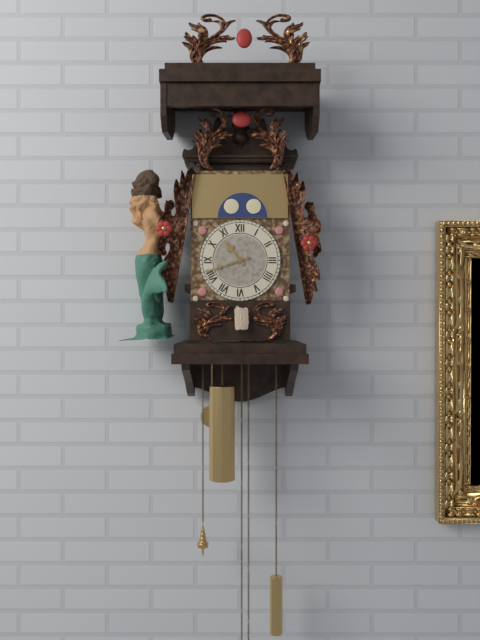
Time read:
**10:42**
